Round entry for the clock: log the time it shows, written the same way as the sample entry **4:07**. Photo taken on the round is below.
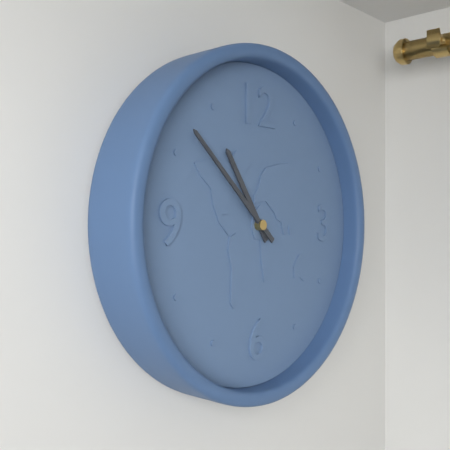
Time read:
**10:52**
